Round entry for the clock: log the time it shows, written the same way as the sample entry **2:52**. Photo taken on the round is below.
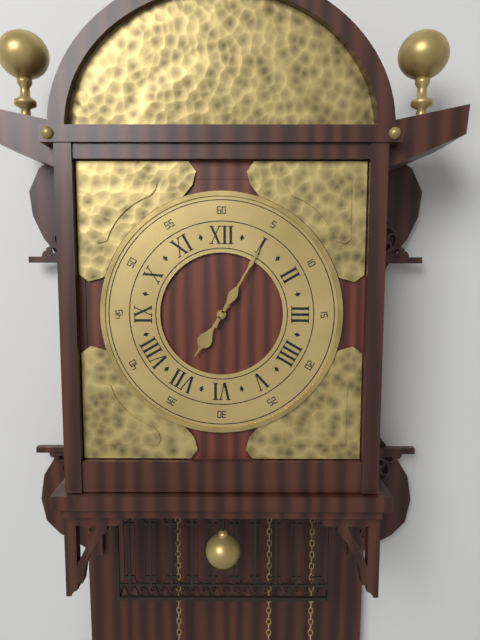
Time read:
**7:05**
